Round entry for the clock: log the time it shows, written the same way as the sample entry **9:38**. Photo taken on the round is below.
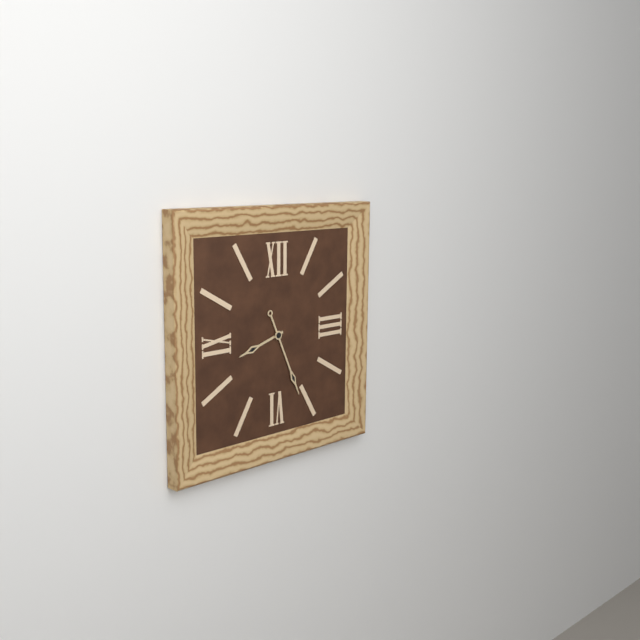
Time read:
**8:26**
